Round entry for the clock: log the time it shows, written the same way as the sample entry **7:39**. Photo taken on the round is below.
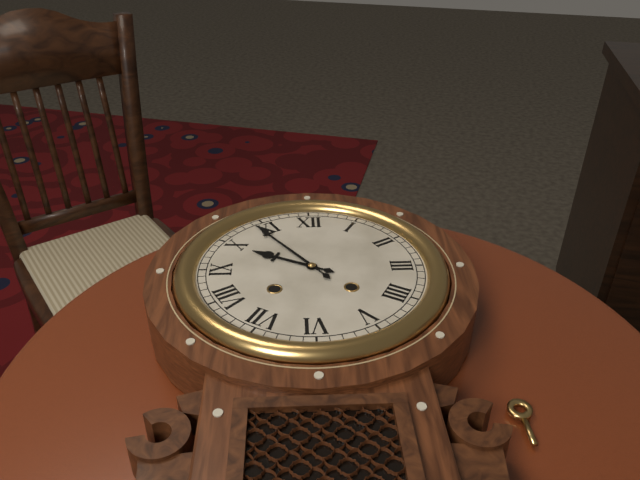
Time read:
**9:54**
